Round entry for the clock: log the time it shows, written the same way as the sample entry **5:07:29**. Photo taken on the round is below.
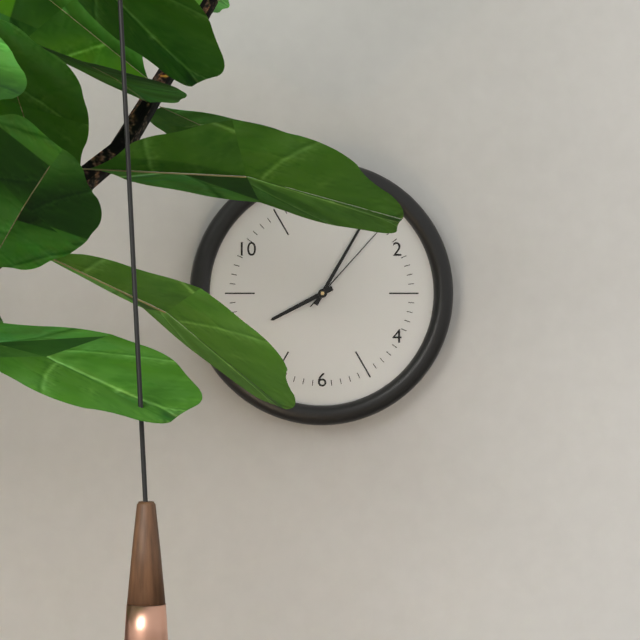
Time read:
**8:05:07**
